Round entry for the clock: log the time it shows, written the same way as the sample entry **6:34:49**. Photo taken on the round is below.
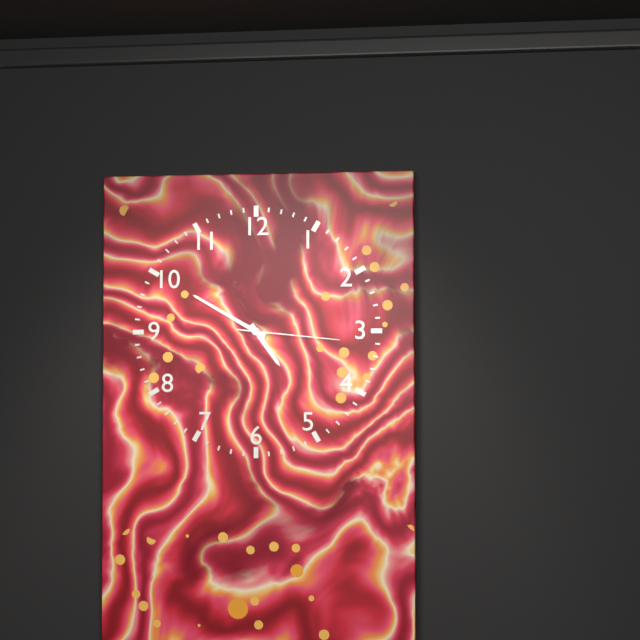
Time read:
**4:50:16**
